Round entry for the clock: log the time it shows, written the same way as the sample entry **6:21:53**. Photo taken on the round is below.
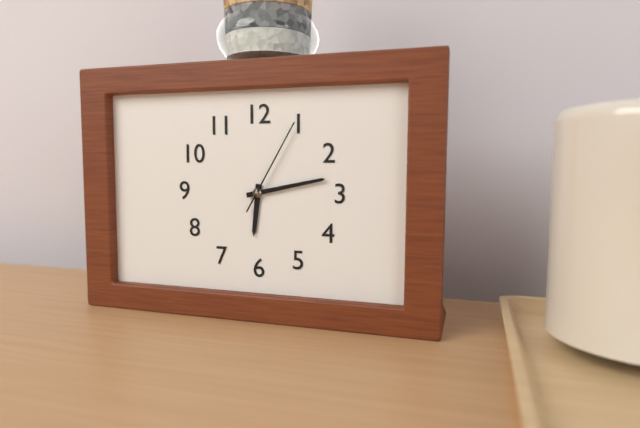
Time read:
**6:13:05**
